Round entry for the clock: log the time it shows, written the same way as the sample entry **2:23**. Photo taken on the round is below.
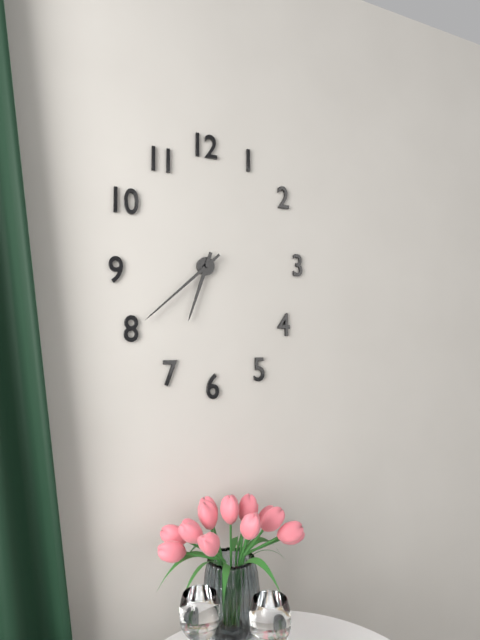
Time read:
**6:38**
